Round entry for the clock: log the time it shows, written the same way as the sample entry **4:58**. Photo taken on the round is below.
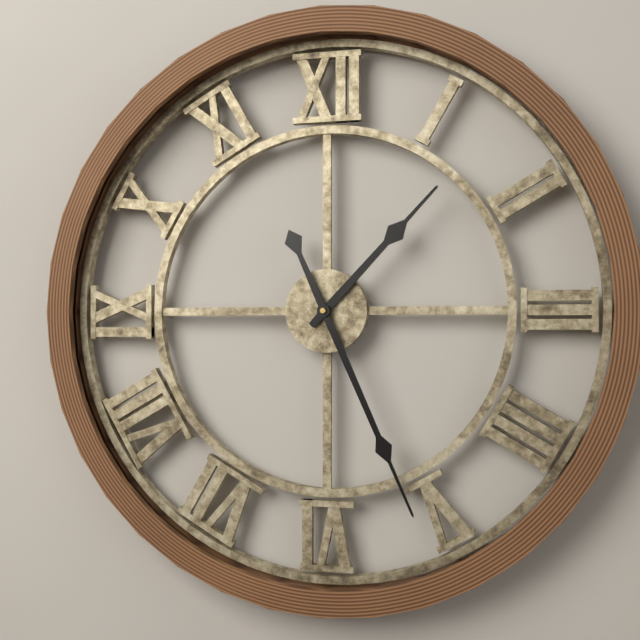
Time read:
**1:26**
